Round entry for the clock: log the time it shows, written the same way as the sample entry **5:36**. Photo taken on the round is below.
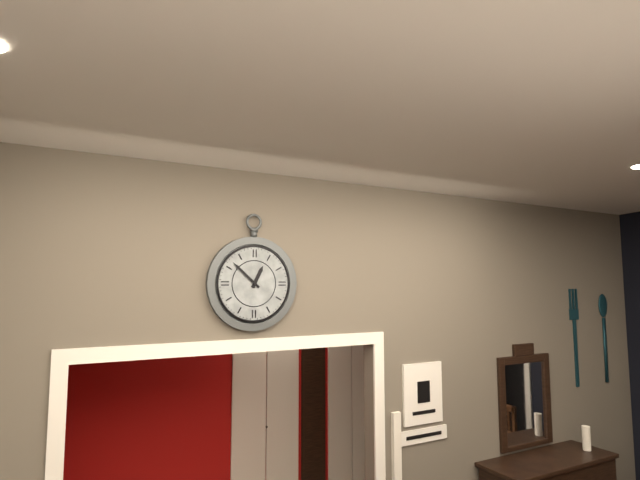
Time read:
**12:52**
